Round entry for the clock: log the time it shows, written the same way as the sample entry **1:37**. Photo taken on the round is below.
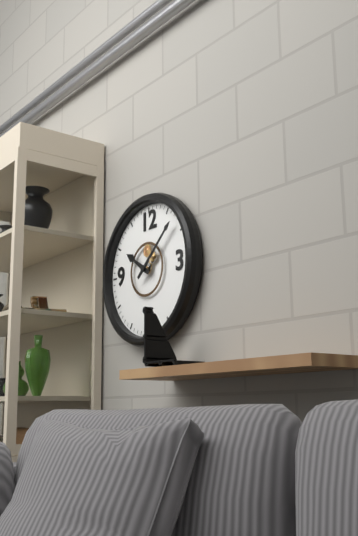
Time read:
**10:08**
